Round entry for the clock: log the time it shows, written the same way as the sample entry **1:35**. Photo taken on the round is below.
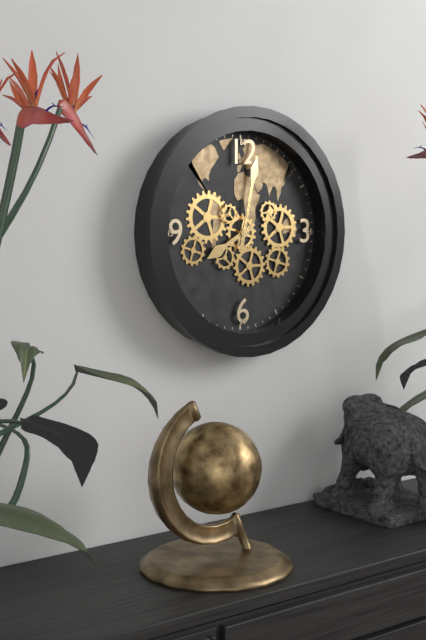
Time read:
**8:02**
